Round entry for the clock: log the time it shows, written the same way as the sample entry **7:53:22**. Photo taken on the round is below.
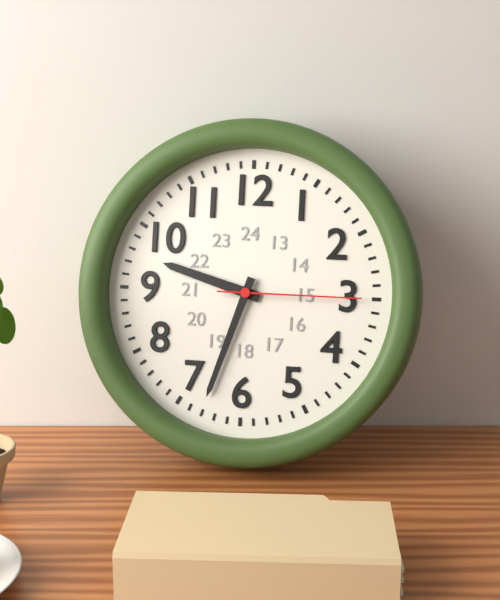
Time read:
**9:33:15**
